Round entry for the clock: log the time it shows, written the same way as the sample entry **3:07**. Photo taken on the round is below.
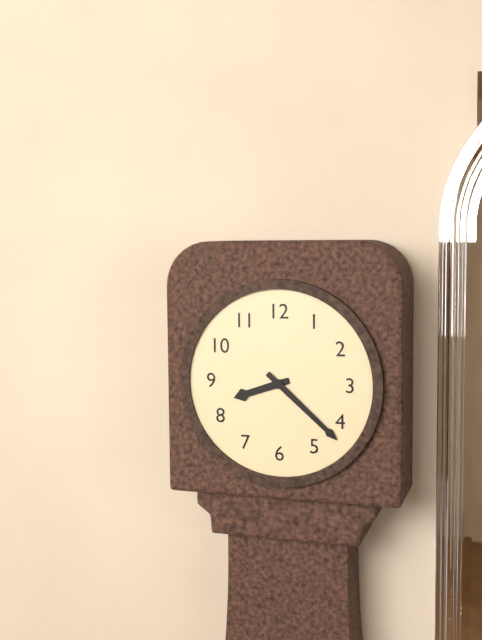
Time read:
**8:22**
